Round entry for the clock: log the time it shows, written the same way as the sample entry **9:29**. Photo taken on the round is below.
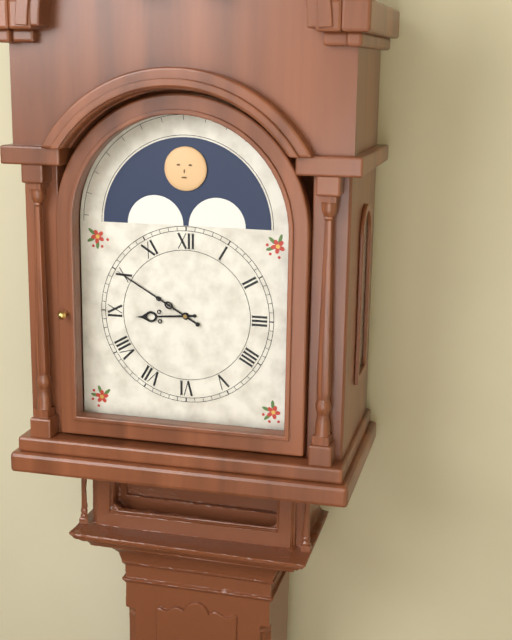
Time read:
**8:50**
